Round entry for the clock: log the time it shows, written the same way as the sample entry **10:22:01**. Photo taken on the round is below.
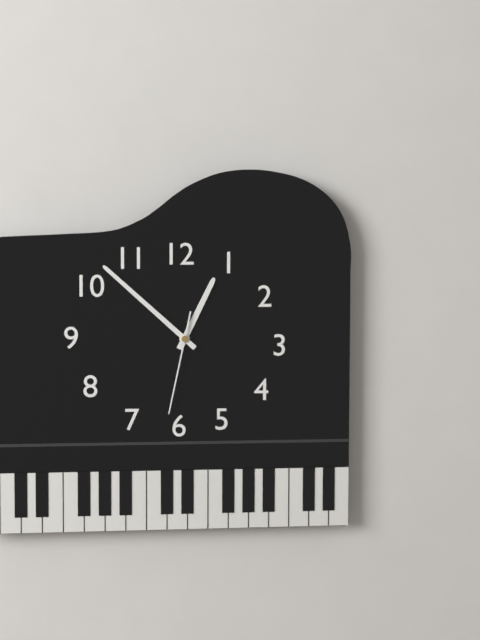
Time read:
**12:52:32**
